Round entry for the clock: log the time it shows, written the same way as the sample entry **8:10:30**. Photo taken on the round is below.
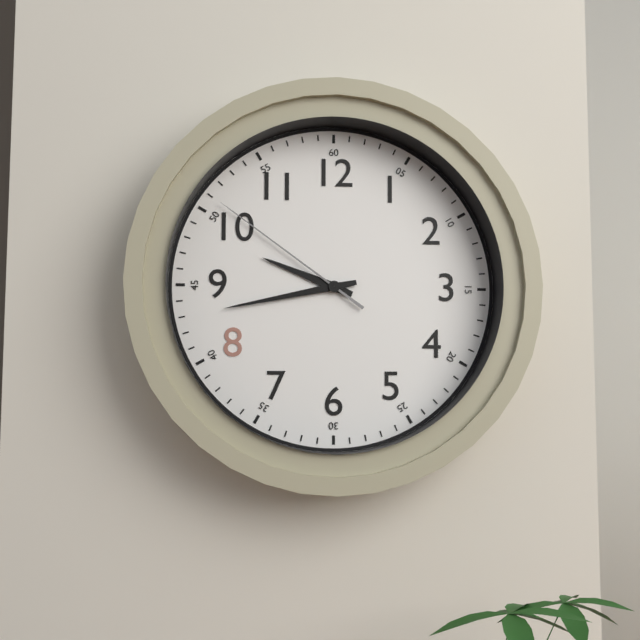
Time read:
**9:43:51**
